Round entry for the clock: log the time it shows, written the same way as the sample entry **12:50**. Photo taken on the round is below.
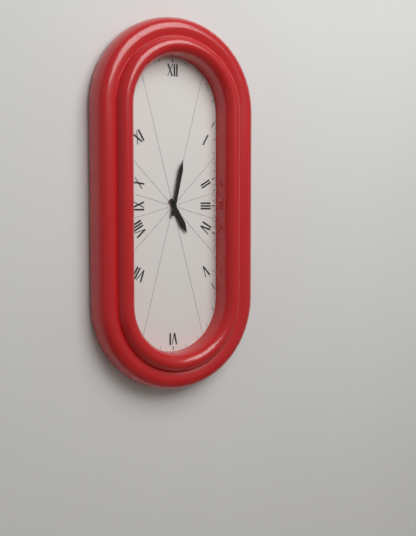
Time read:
**5:02**
